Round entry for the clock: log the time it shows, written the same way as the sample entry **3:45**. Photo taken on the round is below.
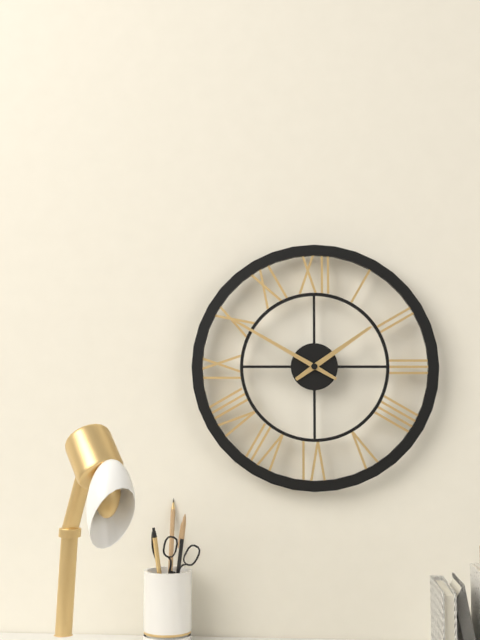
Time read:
**1:50**
